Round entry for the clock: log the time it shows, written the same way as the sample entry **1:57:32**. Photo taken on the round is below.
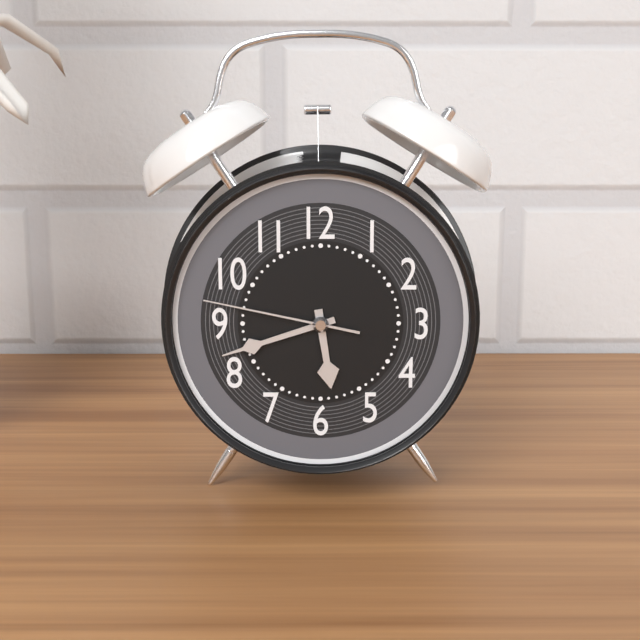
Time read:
**5:42:47**
